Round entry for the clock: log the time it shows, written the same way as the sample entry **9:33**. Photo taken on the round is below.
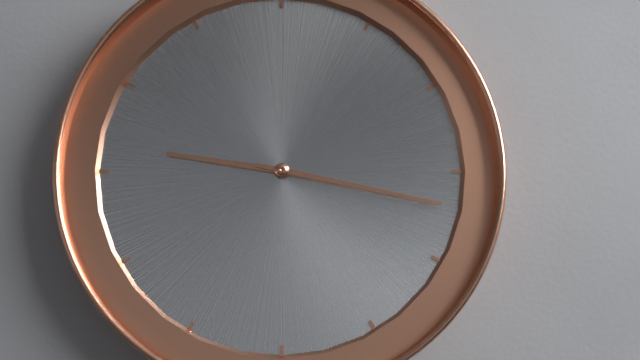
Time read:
**9:17**
